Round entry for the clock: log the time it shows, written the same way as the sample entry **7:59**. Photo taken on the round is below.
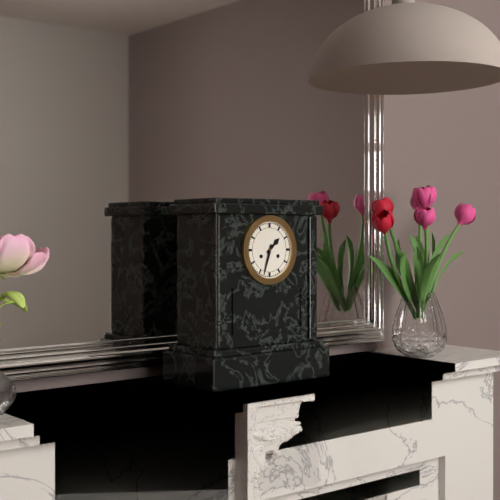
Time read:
**1:33**
